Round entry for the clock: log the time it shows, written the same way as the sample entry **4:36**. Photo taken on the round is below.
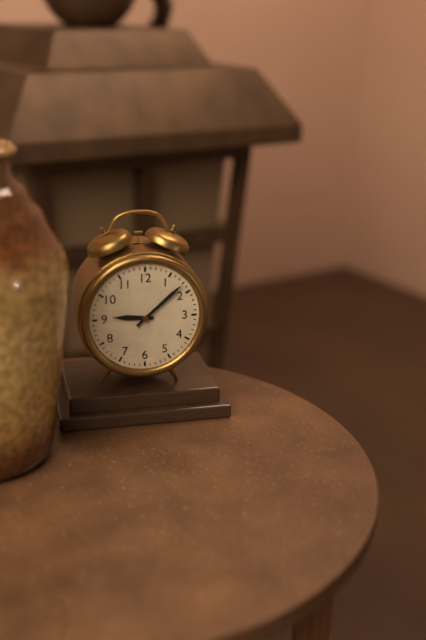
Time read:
**9:08**
